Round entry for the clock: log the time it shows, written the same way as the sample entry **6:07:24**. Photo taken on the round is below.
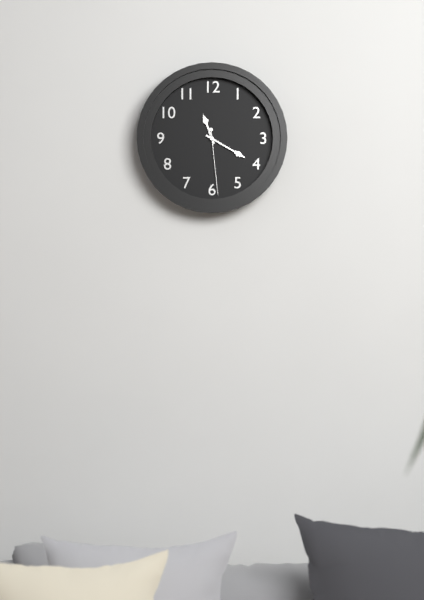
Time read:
**11:20:29**
